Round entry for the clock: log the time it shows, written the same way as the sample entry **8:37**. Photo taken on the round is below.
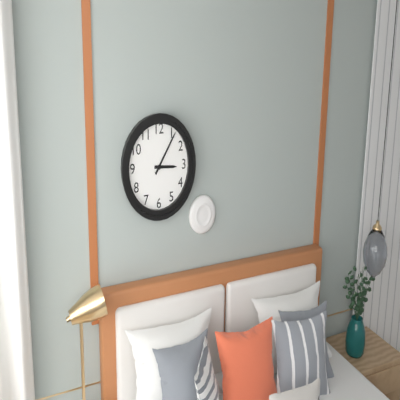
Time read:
**3:06**
